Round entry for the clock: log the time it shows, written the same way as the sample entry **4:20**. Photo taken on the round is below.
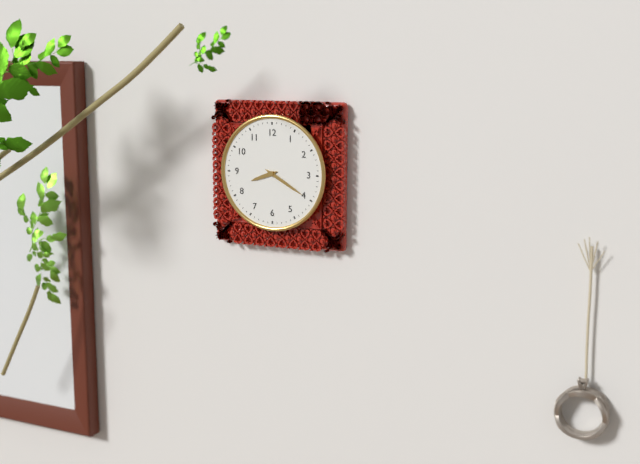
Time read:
**8:20**
